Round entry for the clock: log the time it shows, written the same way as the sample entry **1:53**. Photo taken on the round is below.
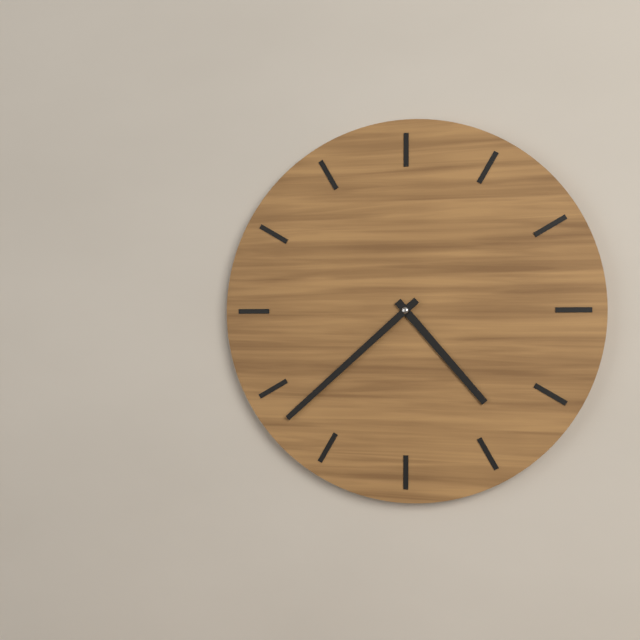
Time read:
**4:38**
